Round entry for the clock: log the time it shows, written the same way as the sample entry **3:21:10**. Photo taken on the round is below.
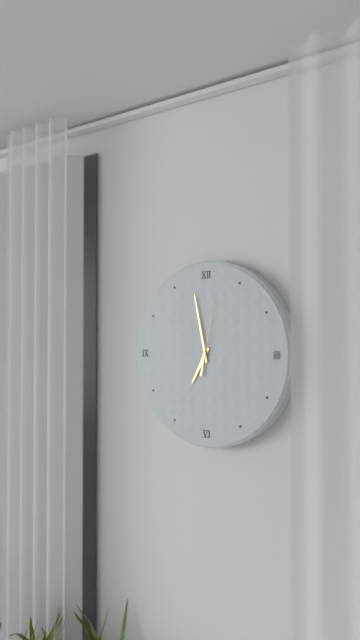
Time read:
**6:58:02**
